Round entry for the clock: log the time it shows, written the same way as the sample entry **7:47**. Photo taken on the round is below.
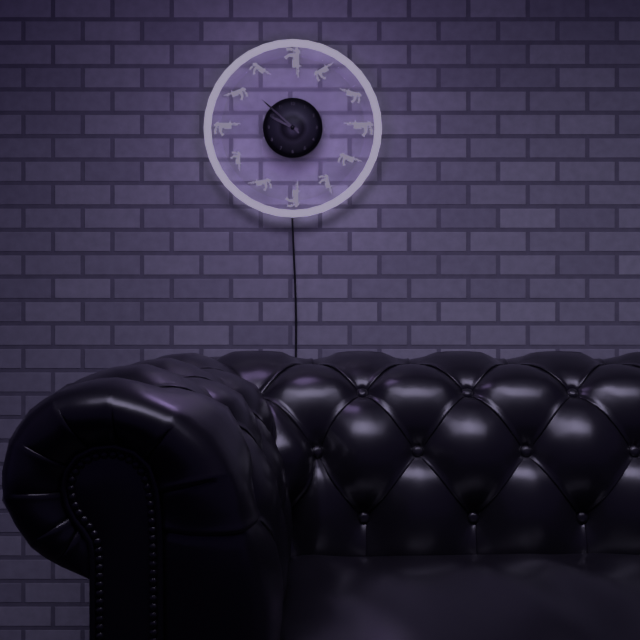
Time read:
**9:52**
